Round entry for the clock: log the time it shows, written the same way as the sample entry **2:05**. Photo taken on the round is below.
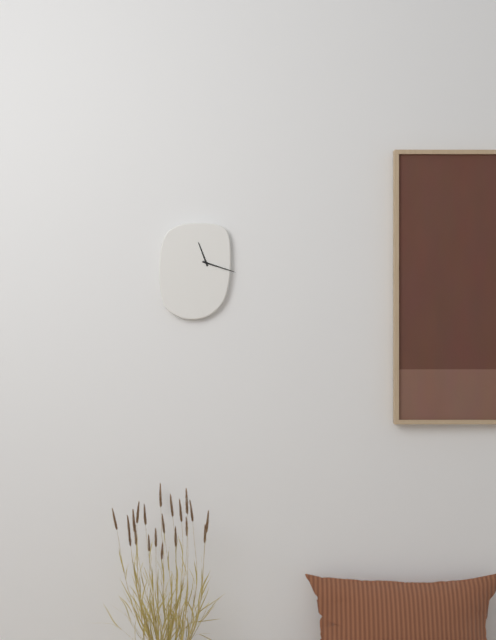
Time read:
**11:18**
